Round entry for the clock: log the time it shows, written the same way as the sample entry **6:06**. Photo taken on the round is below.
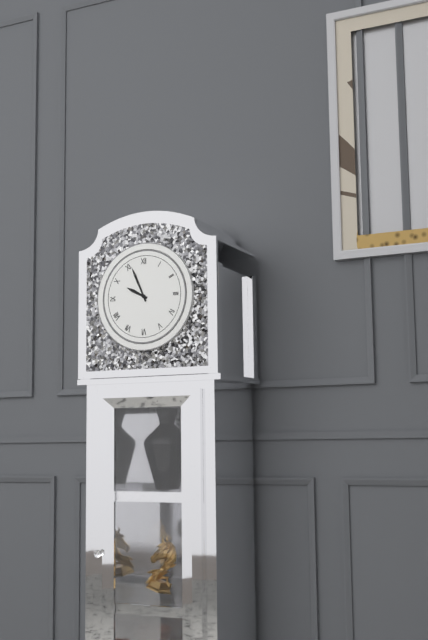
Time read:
**9:56**
